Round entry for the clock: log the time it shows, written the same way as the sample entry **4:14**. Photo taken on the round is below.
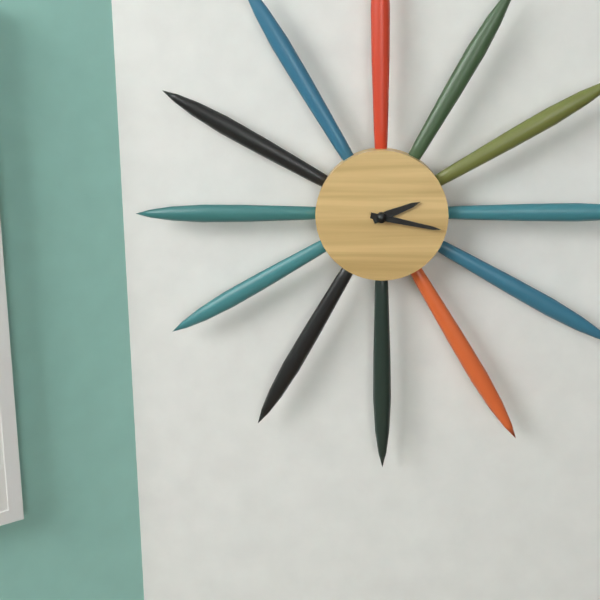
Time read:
**2:17**
